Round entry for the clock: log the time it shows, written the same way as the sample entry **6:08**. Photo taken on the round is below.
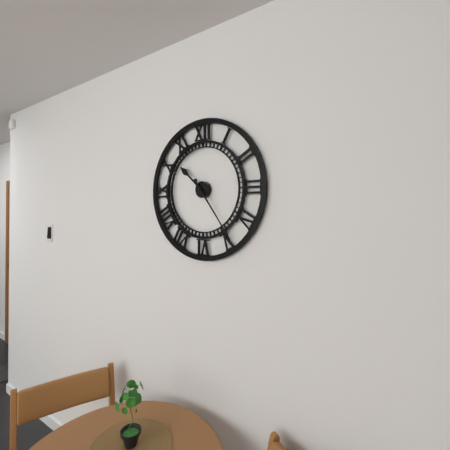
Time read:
**10:24**
